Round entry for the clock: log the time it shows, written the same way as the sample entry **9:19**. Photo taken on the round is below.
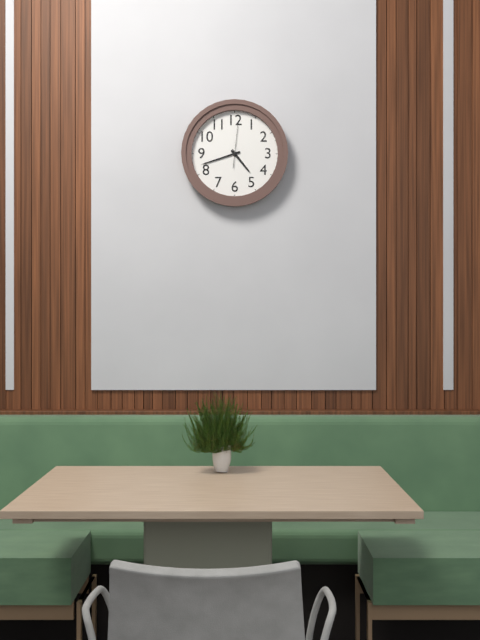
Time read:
**4:42**
